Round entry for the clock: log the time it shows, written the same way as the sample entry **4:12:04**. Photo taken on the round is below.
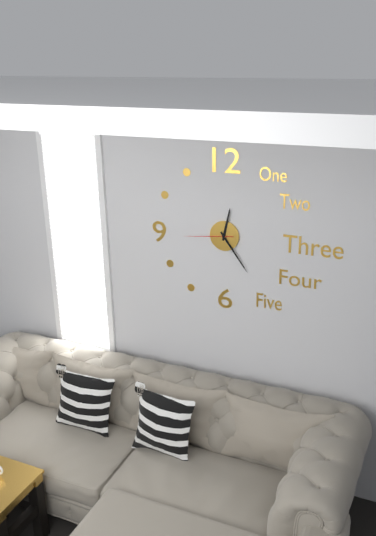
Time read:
**12:24:44**
